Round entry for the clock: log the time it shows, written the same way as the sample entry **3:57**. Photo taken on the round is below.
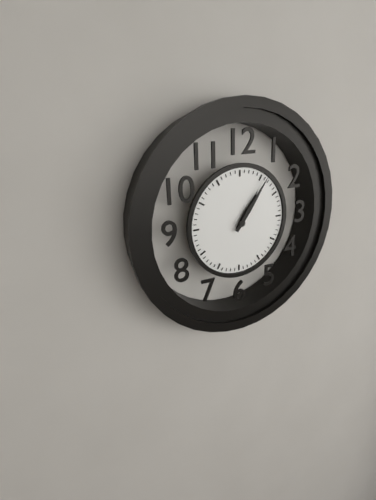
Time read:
**1:06**
